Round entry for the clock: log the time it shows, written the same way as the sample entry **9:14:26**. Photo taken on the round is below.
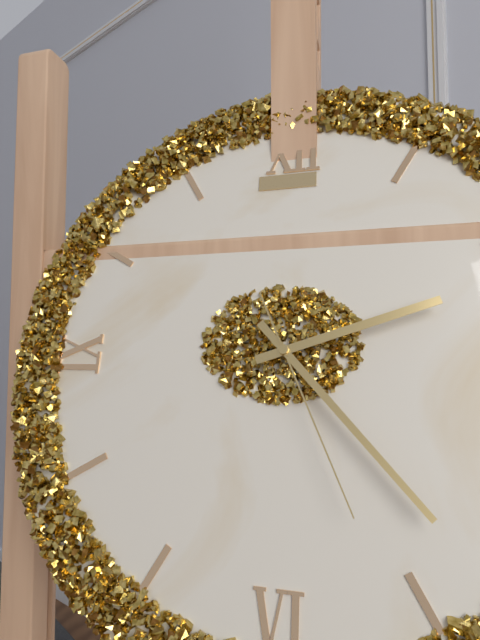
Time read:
**2:23:26**
